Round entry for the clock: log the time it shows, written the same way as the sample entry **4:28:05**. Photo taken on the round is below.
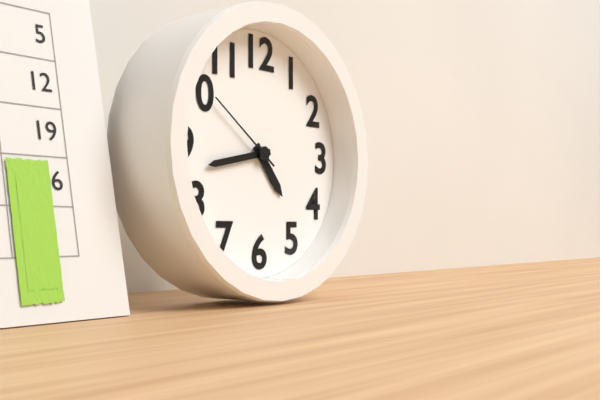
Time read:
**4:43:51**
